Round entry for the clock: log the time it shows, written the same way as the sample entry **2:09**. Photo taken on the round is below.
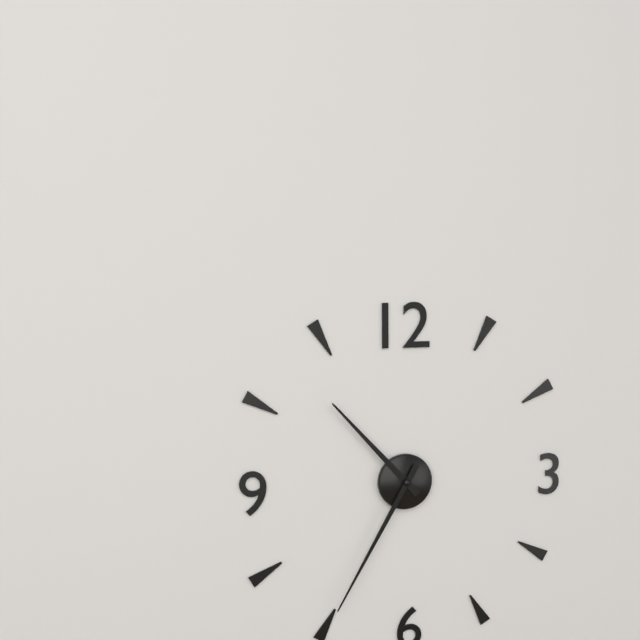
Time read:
**10:35**
